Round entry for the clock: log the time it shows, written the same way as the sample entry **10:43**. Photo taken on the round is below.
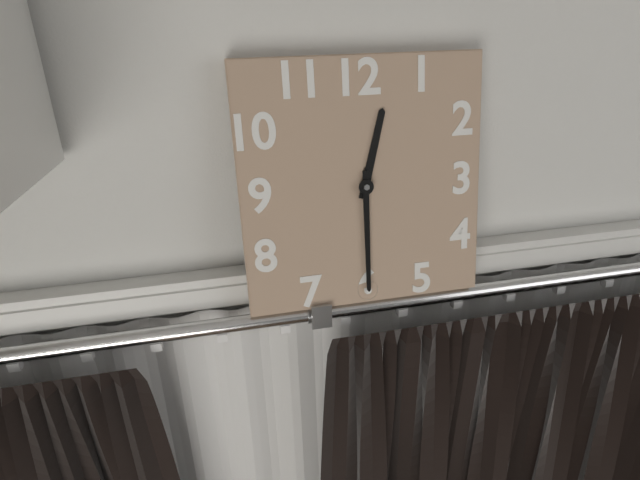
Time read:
**12:30**
